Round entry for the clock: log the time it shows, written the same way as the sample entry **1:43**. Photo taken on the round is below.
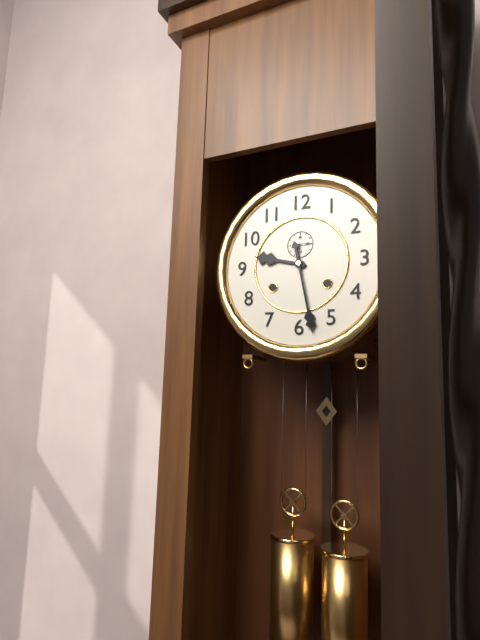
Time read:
**9:28**
